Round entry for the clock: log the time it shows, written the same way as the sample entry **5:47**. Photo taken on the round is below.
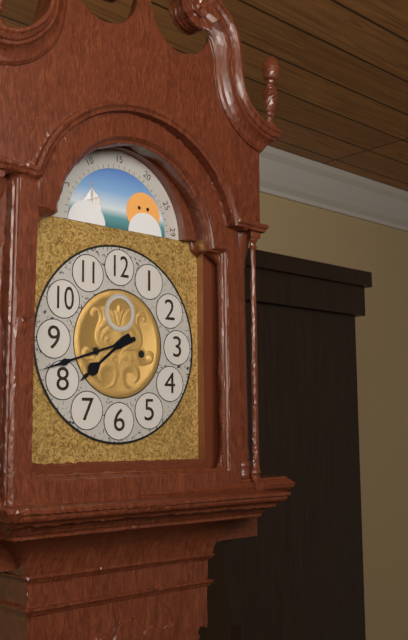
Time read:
**7:42**
